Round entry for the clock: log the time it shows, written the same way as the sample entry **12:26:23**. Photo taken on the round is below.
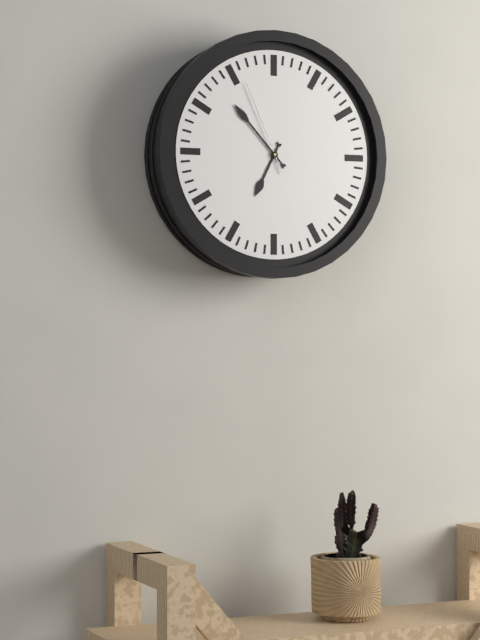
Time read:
**6:53:56**
